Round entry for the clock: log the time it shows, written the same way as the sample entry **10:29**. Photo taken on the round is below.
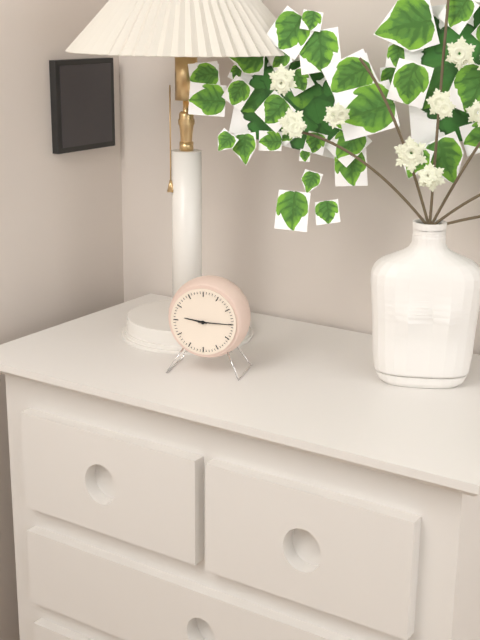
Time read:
**9:15**
